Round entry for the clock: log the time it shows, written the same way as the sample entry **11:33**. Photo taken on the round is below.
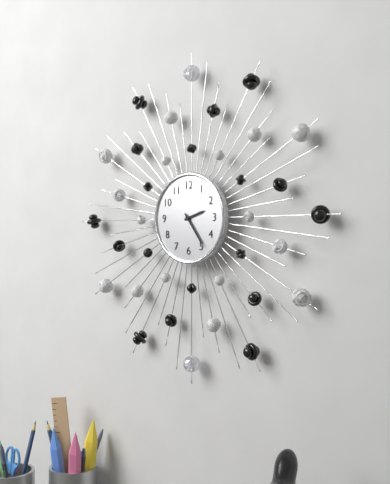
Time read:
**2:24**
